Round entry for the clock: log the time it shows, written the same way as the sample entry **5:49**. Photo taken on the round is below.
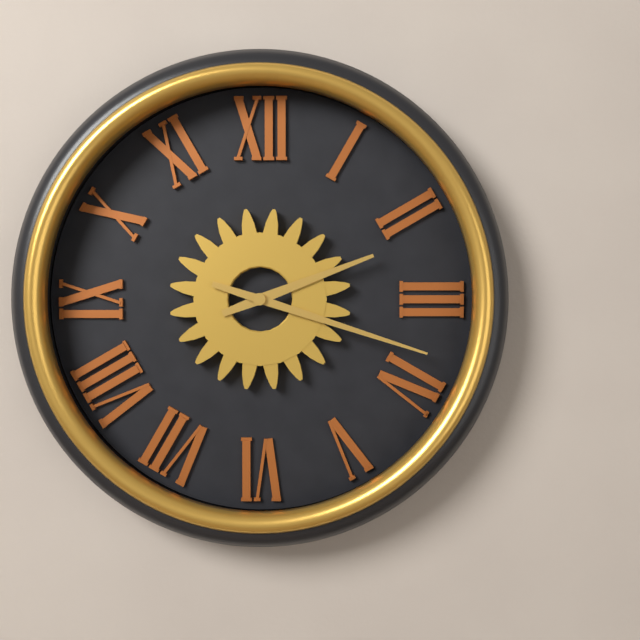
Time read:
**2:18**
